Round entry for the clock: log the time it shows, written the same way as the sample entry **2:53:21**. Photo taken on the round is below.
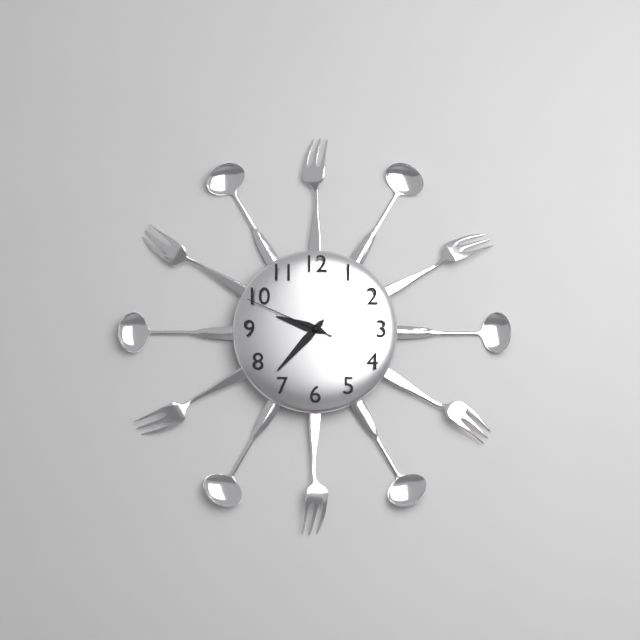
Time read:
**9:37:49**
